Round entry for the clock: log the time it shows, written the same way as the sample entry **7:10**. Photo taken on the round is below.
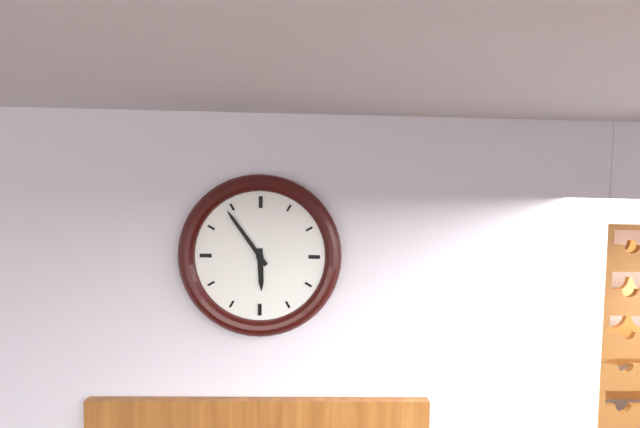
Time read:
**5:54**
